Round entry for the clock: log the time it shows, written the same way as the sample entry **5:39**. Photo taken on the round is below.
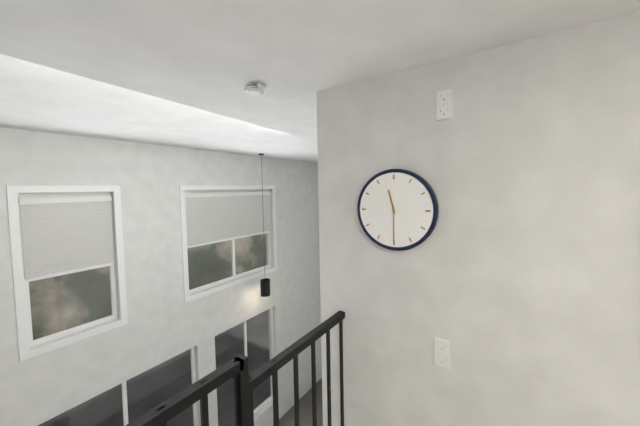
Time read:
**11:30**
